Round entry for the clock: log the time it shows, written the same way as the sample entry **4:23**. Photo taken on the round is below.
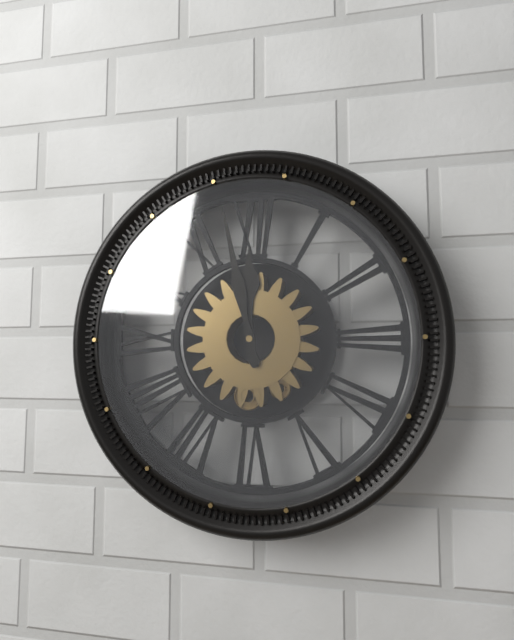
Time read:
**11:58**
